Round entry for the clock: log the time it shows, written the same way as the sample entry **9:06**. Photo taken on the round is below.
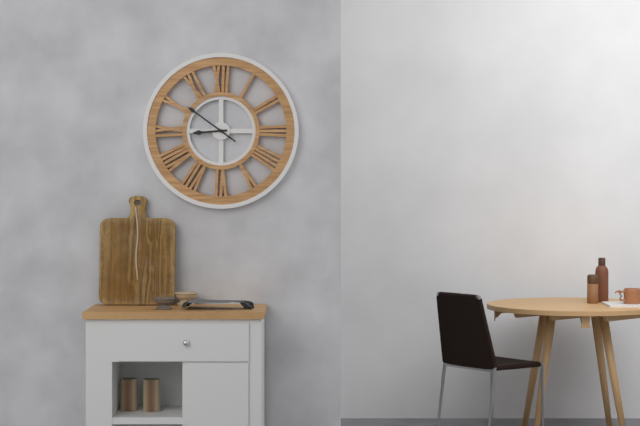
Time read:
**8:51**
